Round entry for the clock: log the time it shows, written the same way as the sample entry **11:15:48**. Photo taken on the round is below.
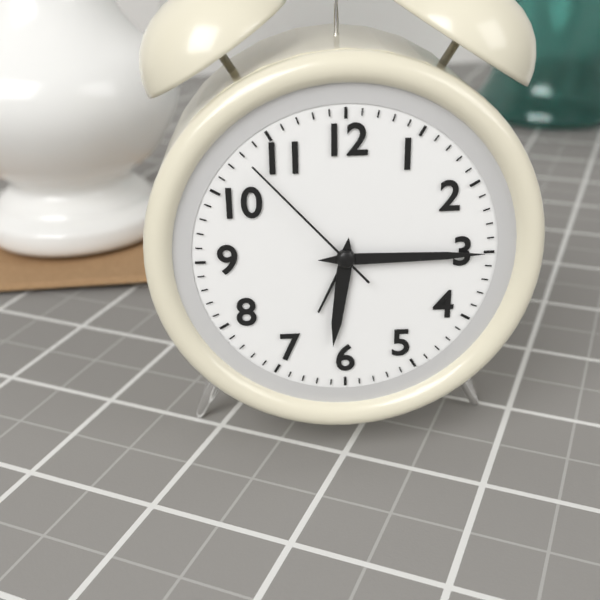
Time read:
**6:15:53**
